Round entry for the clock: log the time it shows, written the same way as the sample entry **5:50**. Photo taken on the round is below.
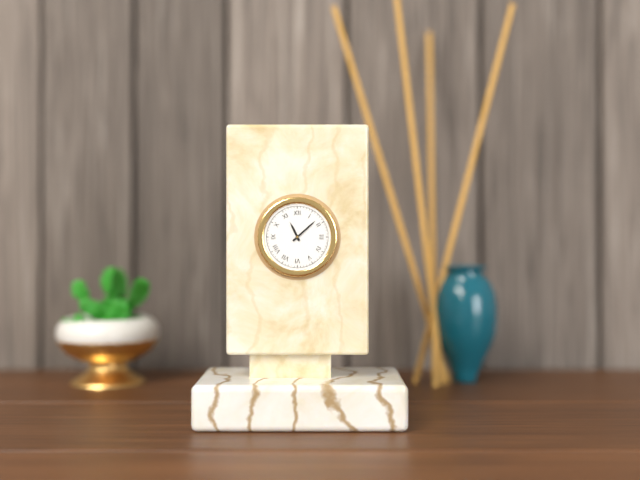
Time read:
**11:08**
